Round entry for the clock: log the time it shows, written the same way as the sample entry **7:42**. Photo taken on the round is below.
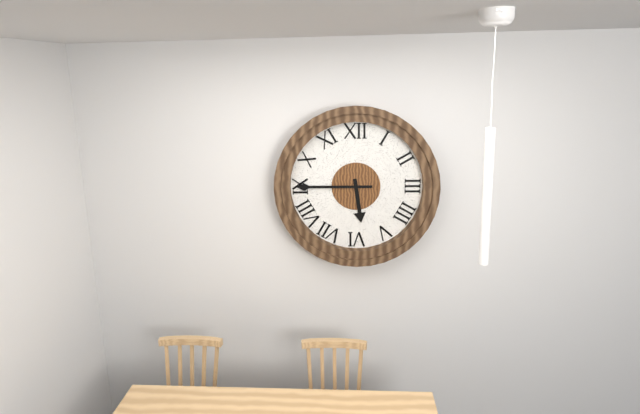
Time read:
**5:45**
